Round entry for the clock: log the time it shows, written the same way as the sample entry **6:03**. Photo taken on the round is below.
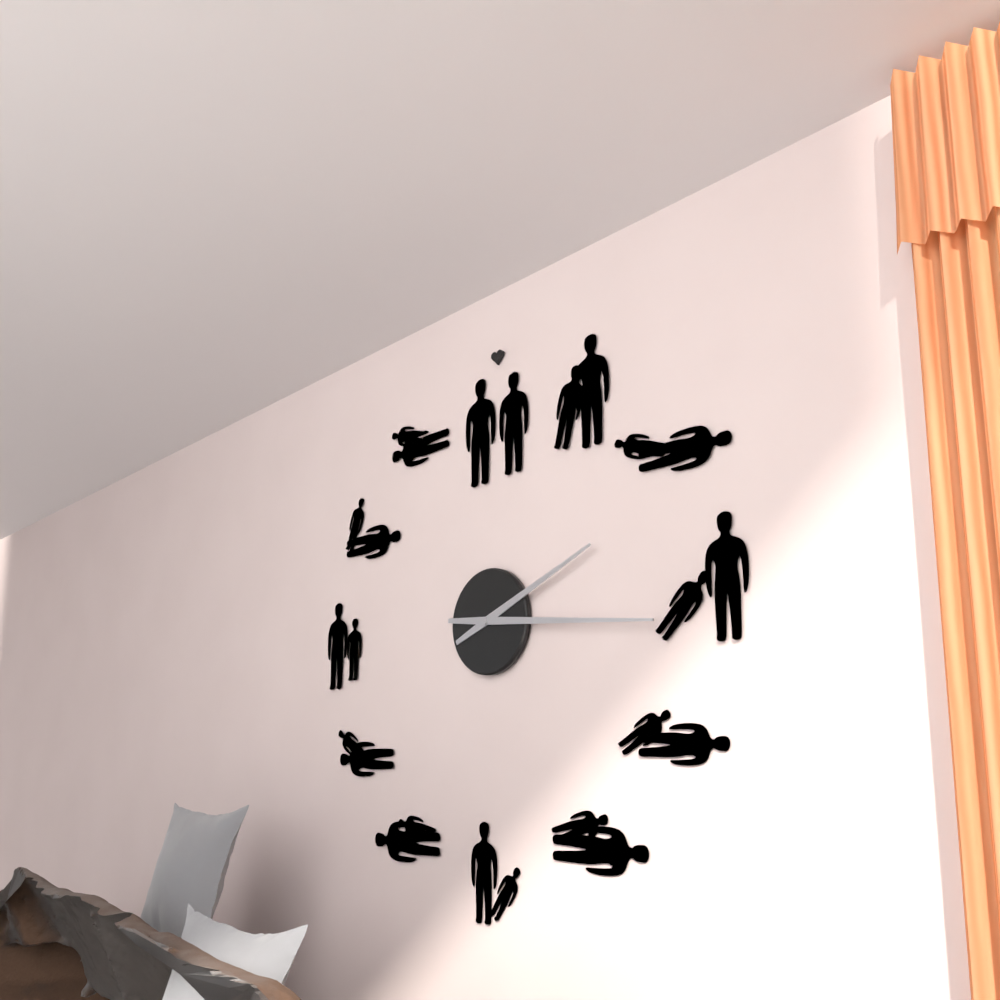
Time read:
**2:16**
